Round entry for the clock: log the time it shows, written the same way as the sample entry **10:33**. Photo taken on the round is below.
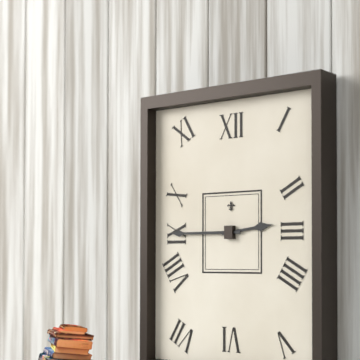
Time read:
**2:45**
